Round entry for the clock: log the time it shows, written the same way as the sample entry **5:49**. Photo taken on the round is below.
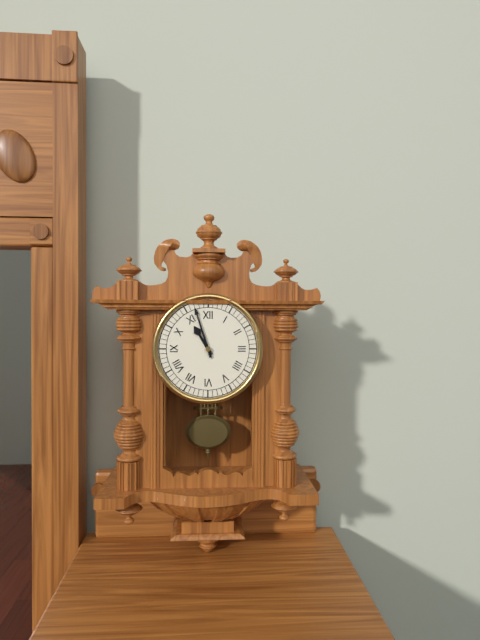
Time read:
**10:57**
